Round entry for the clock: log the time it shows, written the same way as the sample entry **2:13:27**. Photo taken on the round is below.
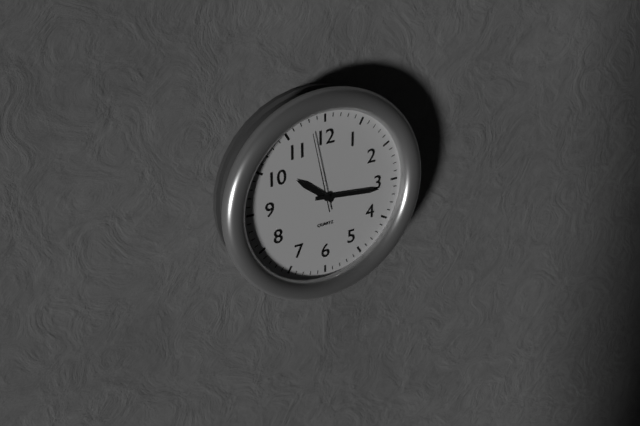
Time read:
**10:16:58**
